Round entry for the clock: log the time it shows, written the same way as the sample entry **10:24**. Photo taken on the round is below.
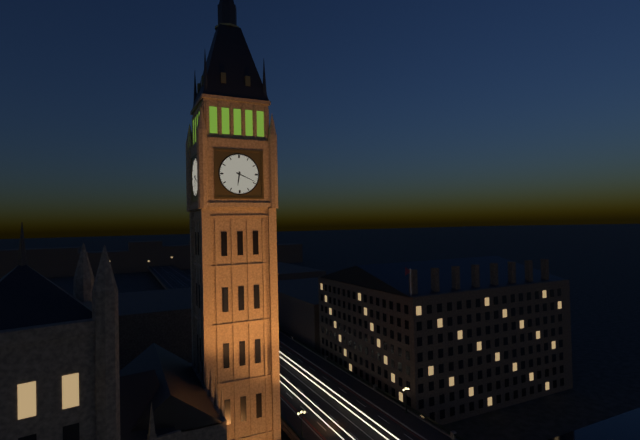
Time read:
**6:19**
